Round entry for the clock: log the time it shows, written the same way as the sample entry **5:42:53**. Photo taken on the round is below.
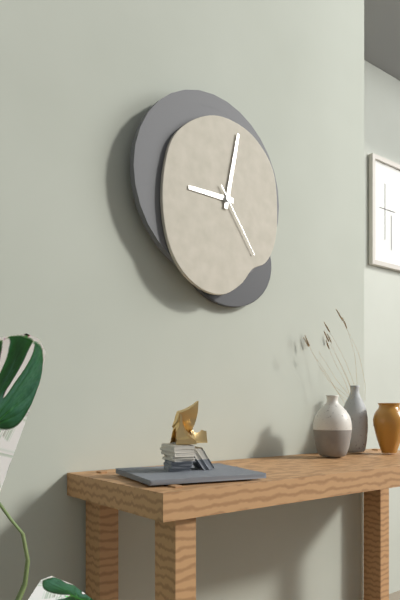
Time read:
**9:02:24**
